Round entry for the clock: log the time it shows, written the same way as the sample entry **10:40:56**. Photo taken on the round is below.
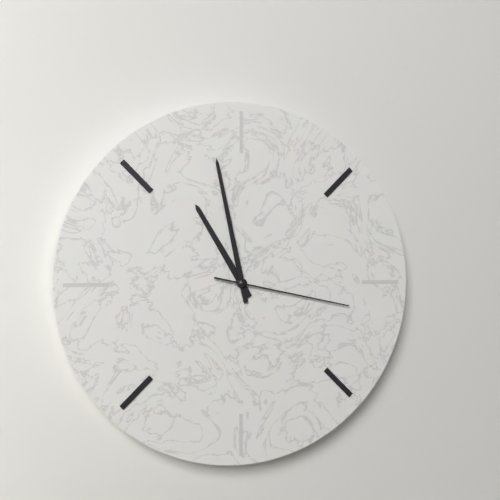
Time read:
**10:58:17**
